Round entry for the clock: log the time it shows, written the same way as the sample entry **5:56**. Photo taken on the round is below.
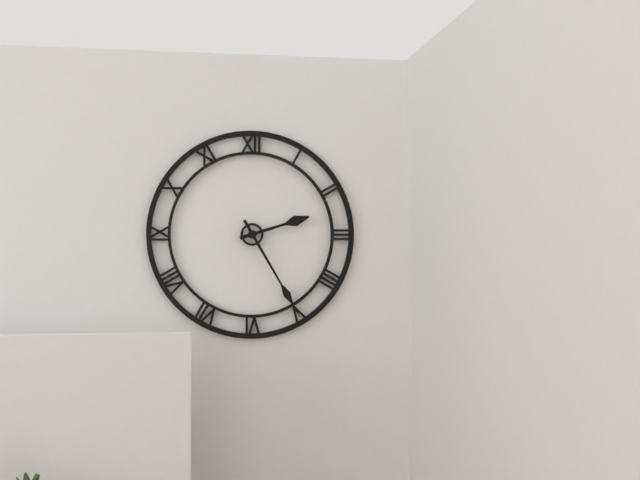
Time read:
**2:25**
